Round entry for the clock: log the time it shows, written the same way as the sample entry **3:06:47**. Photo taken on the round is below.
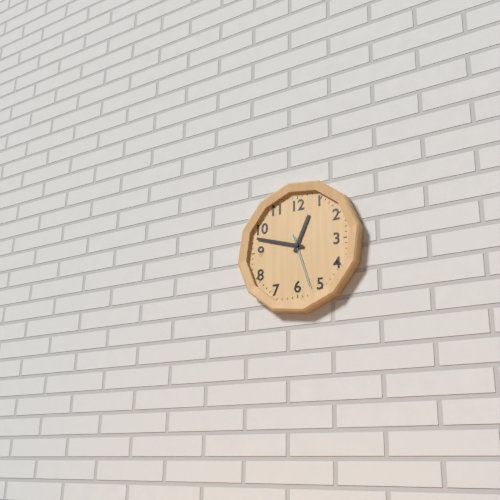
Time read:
**12:48:27**
